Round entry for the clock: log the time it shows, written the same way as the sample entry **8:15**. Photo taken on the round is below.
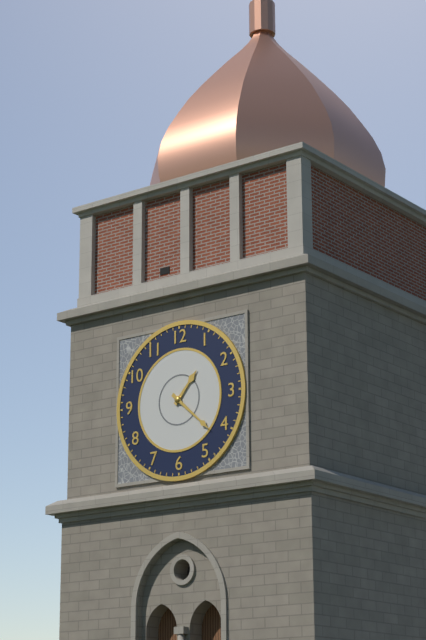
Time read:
**1:22**
